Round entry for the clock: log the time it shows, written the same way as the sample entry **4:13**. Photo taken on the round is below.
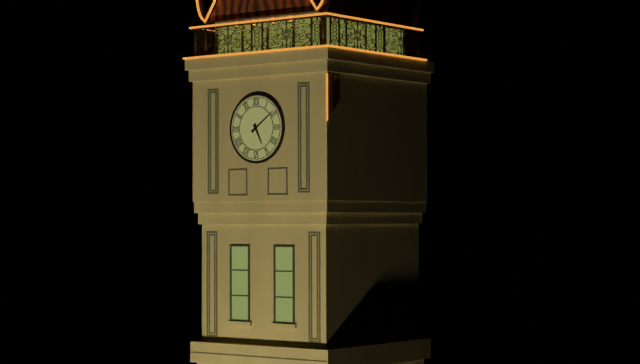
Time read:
**5:09**
